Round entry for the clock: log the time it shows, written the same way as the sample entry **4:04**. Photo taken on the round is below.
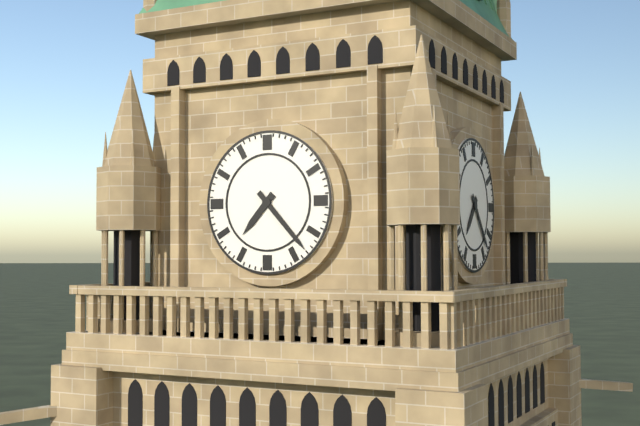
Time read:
**7:23**
